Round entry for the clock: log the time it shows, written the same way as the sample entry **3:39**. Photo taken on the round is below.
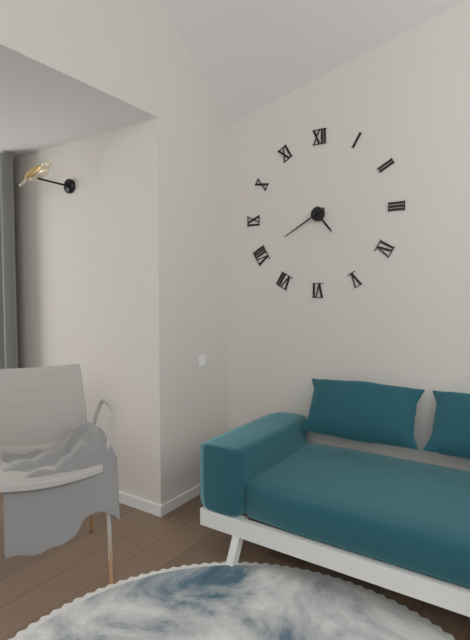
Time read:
**4:40**
